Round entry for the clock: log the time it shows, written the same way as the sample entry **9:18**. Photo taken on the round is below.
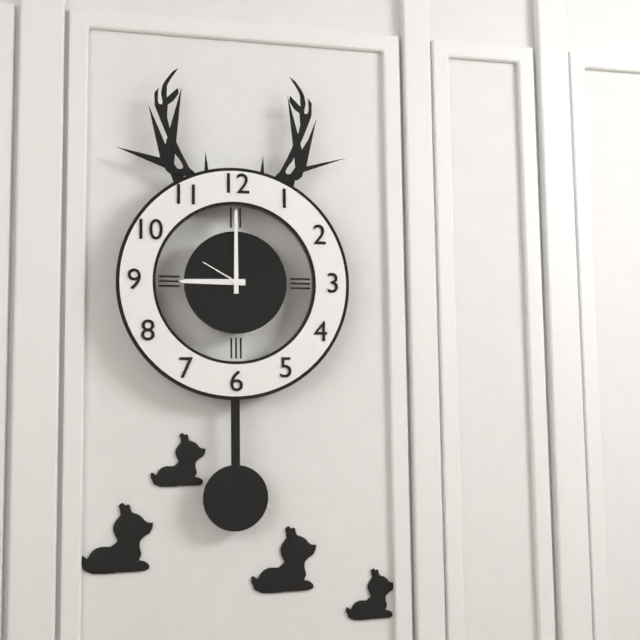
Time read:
**9:00**
